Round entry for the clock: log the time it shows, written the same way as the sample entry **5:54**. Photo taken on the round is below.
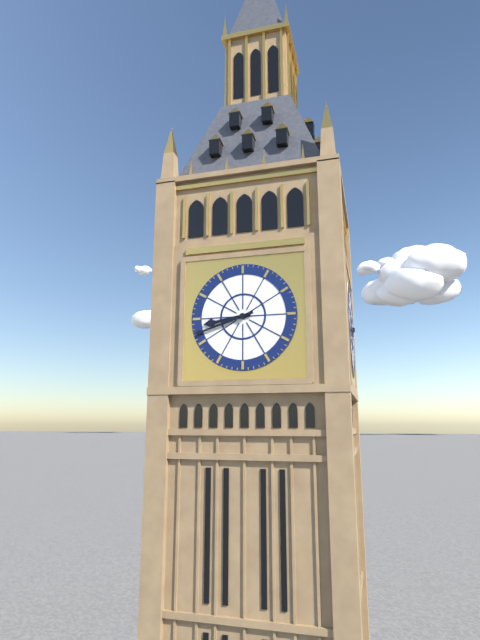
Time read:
**8:42**
